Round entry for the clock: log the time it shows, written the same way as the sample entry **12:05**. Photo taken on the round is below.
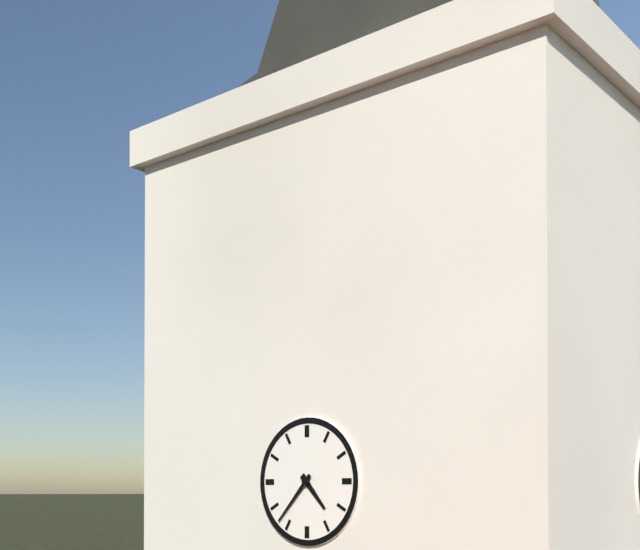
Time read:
**4:37**
